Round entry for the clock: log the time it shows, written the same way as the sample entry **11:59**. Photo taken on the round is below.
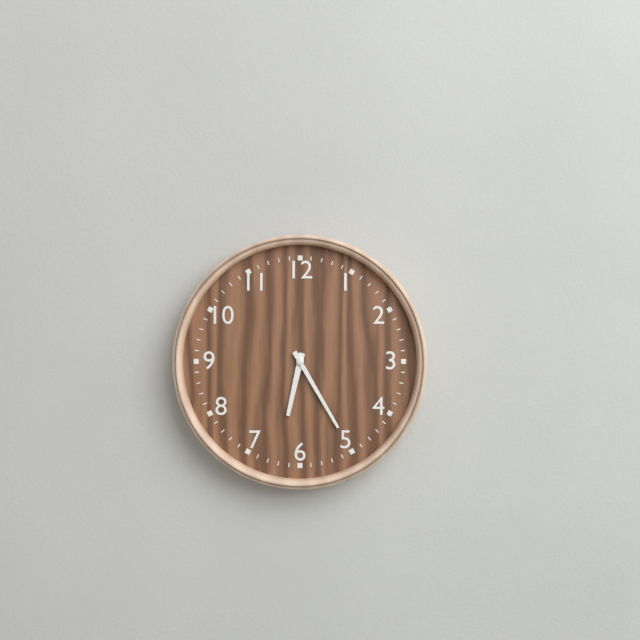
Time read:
**6:25**
